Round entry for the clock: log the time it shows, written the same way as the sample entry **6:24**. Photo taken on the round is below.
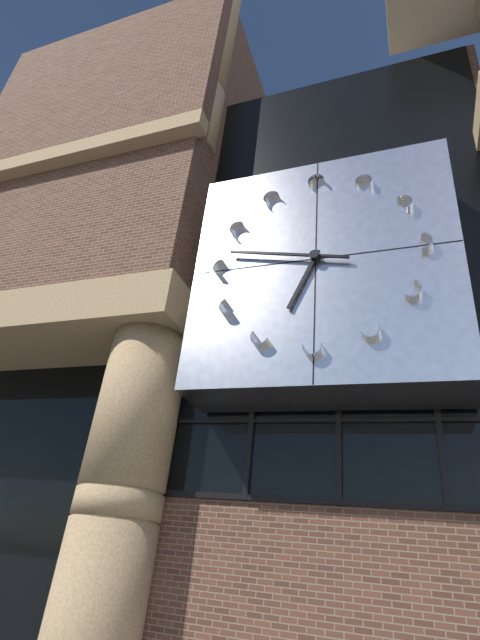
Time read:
**6:47**
